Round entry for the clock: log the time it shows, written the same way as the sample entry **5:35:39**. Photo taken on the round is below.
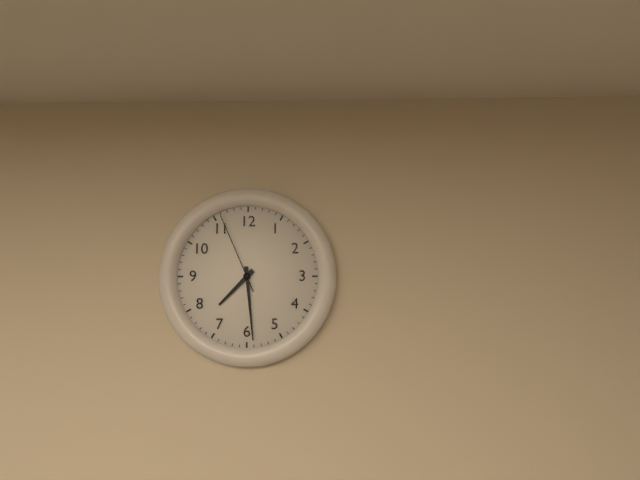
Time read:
**7:29:56**
